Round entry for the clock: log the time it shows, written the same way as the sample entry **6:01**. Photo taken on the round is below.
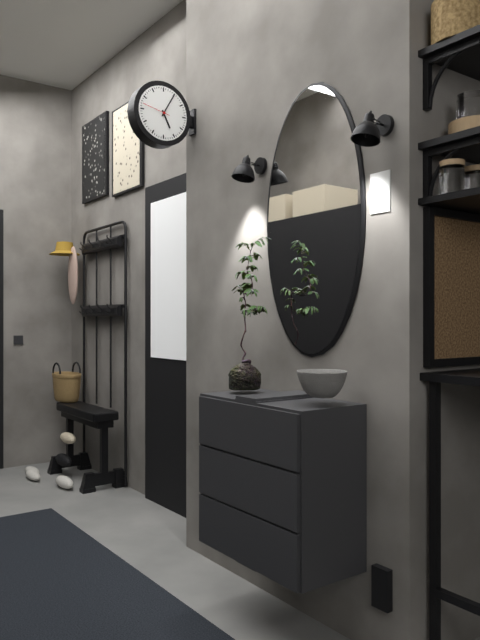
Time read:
**5:05**
